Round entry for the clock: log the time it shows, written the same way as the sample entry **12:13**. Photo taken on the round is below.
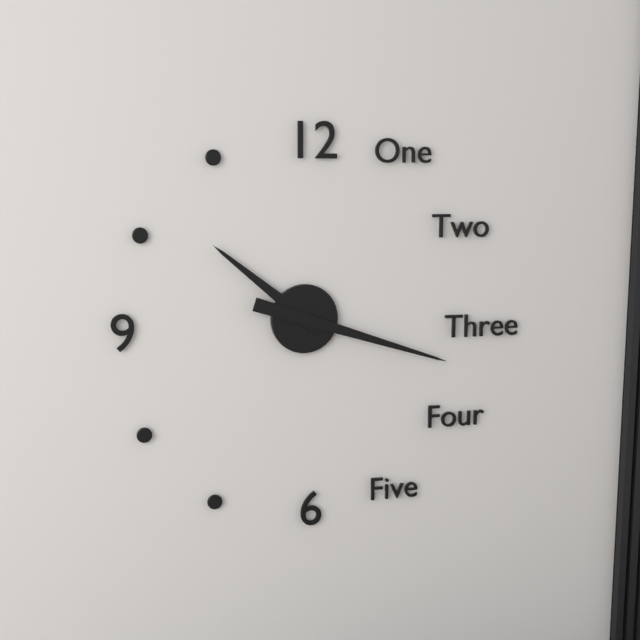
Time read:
**10:18**
